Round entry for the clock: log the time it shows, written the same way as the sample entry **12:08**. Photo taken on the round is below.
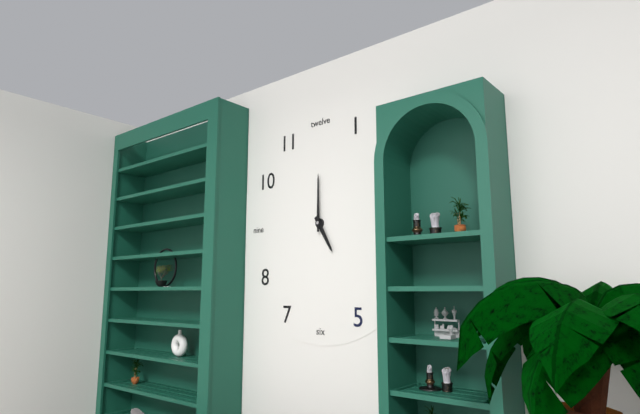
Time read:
**5:00**
